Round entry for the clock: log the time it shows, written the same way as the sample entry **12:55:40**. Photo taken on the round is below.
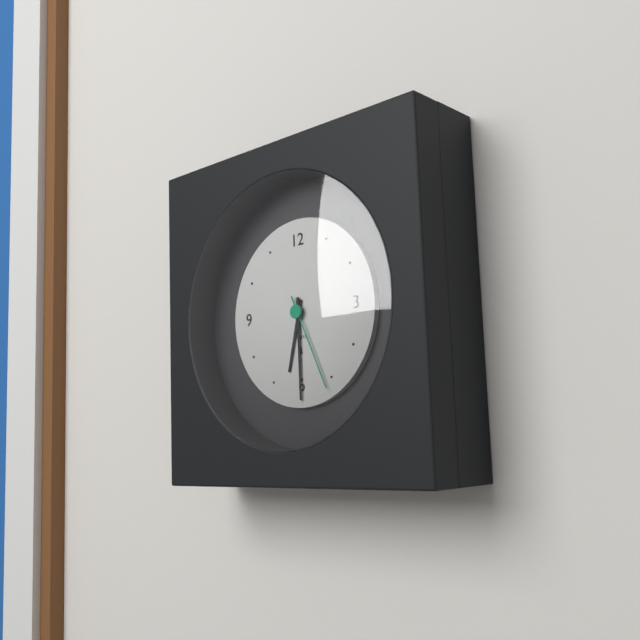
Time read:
**6:30:26**
